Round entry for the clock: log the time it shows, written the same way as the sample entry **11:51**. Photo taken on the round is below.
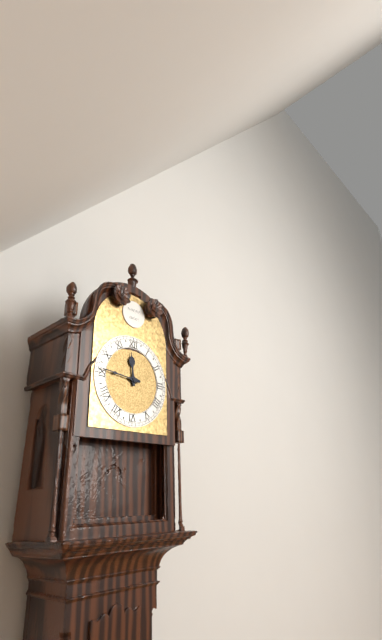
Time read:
**11:46**
